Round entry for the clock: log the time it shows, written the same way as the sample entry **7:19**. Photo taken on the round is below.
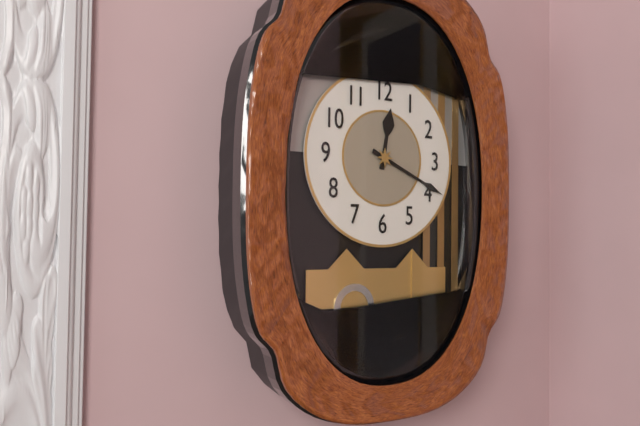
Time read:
**12:19**
